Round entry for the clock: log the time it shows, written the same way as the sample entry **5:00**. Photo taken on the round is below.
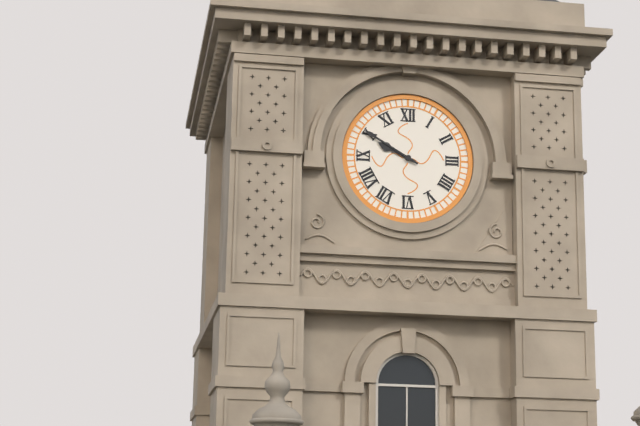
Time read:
**9:50**
